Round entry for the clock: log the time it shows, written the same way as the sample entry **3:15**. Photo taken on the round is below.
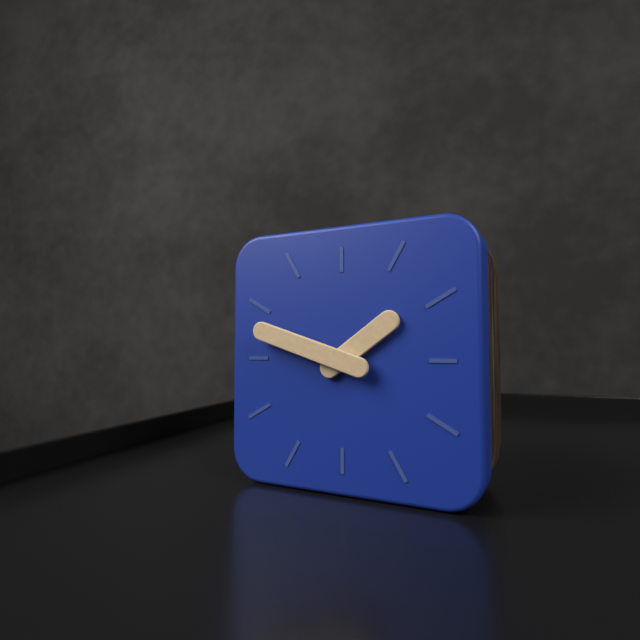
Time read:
**1:48**
